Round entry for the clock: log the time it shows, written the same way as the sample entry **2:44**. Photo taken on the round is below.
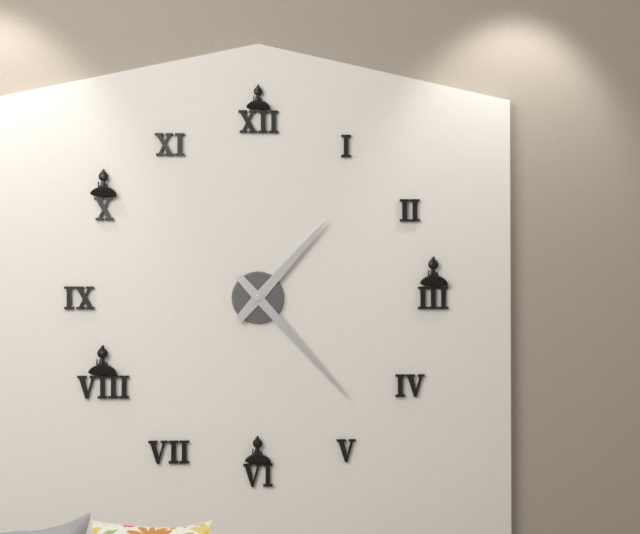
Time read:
**1:23**
